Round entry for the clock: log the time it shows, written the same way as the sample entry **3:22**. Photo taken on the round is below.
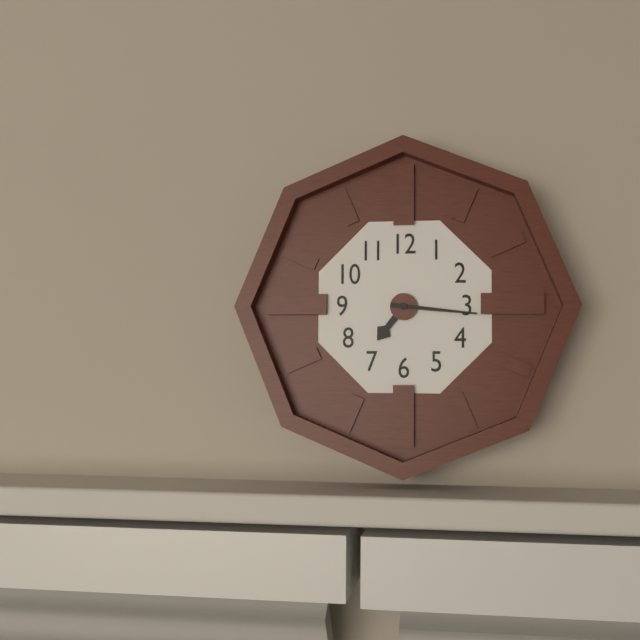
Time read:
**7:16**
